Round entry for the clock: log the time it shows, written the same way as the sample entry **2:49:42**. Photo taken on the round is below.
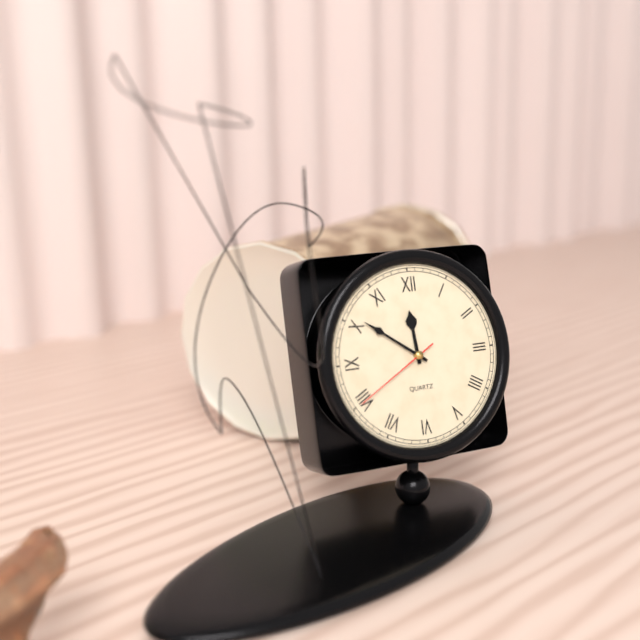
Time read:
**11:51:40**
